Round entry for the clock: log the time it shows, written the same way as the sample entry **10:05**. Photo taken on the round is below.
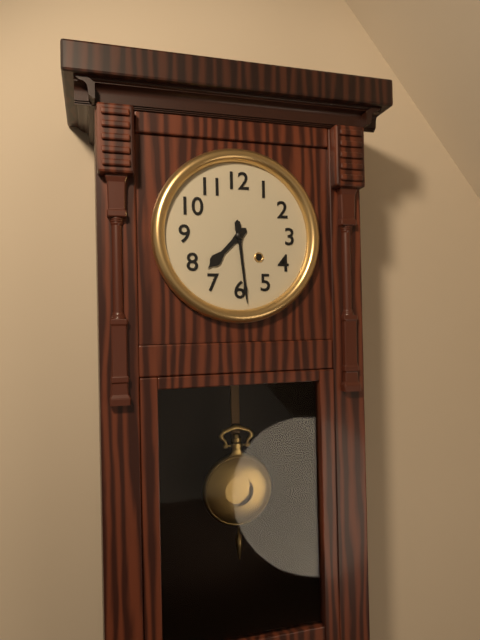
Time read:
**7:29**
